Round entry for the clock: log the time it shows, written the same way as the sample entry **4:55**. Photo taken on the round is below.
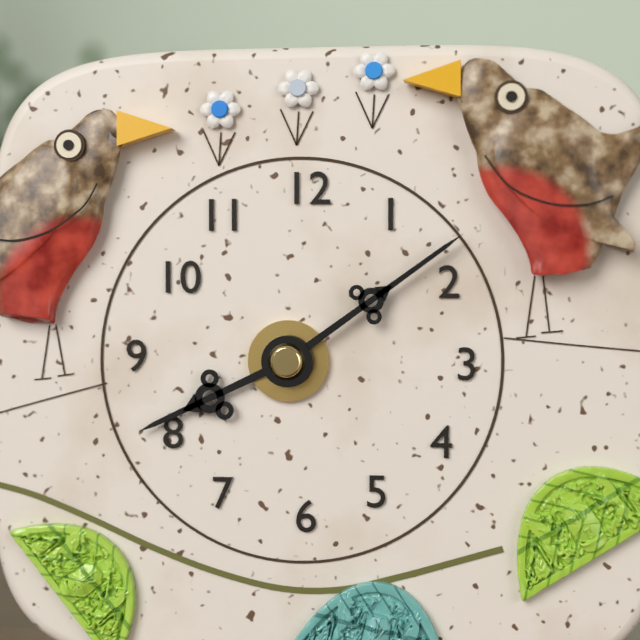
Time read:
**8:09**
